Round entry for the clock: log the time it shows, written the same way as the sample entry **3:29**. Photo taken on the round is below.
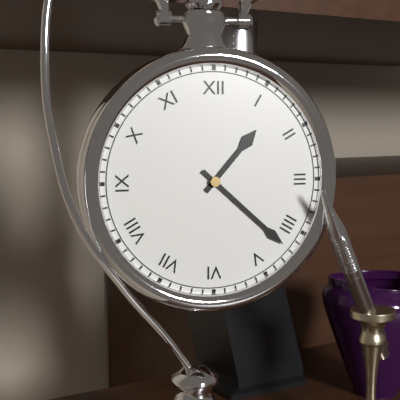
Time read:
**1:22**
